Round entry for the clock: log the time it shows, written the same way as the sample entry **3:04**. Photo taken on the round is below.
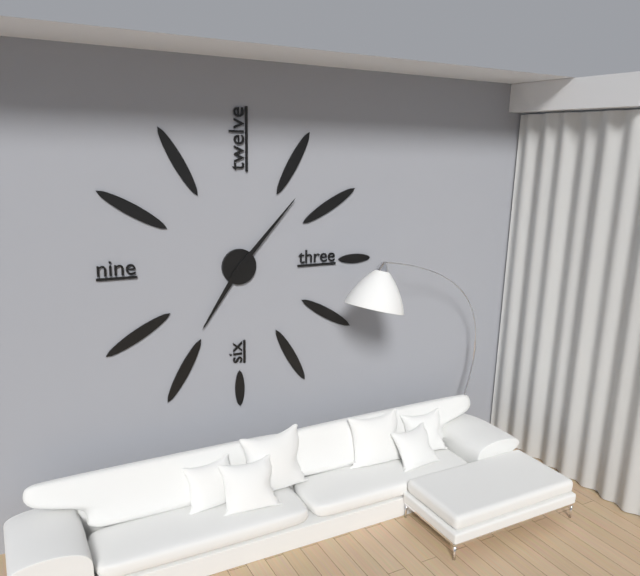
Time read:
**7:07**
